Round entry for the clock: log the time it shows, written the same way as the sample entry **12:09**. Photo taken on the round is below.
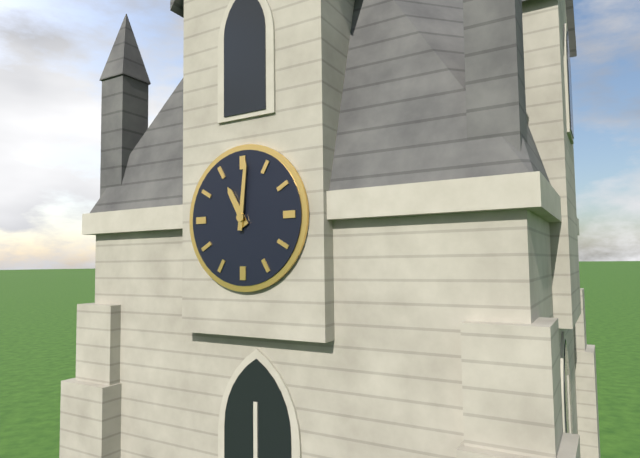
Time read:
**11:01**
